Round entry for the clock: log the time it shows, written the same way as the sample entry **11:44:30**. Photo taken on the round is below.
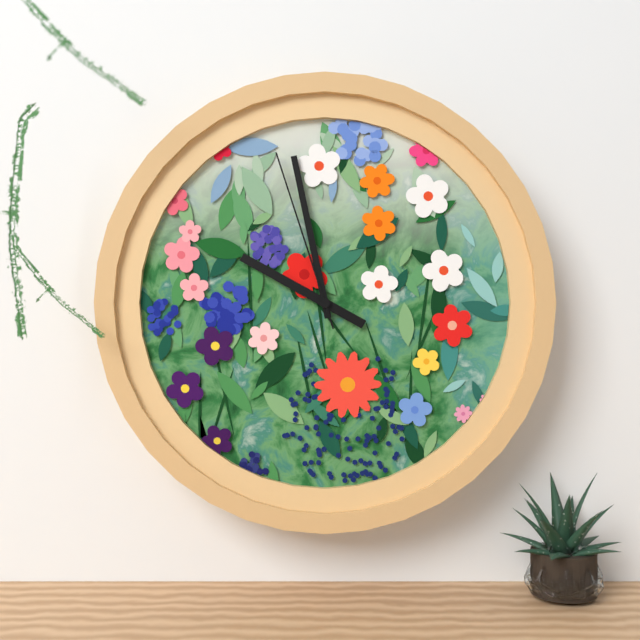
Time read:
**9:58:57**
